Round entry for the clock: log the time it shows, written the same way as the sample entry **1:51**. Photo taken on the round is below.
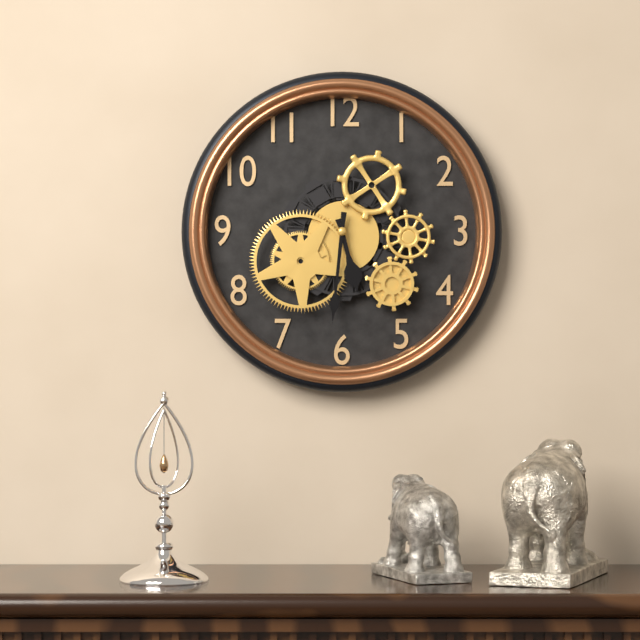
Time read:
**5:31**
